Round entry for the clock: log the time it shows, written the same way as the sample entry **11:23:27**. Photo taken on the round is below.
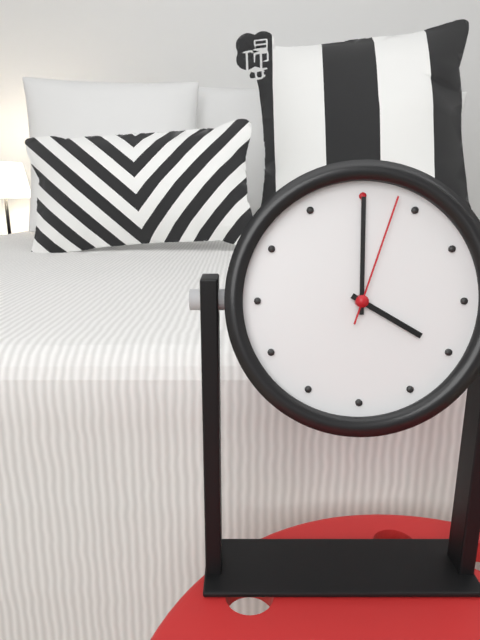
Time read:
**4:00:03**
